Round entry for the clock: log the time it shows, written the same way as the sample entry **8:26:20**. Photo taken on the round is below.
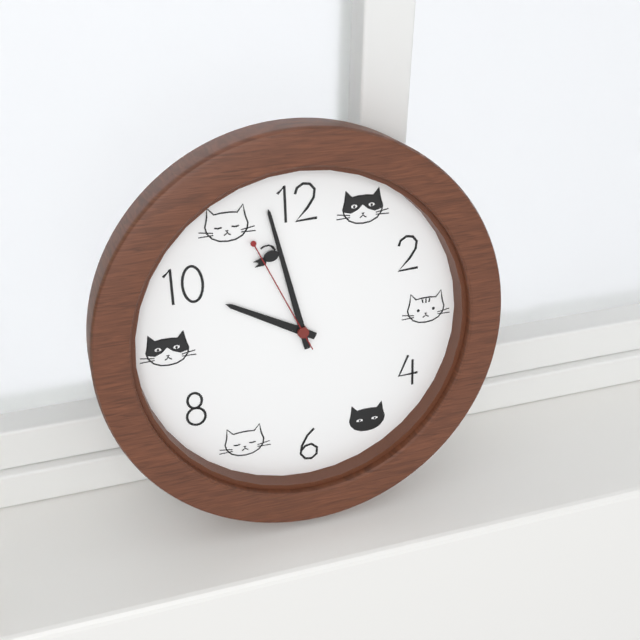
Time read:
**9:58:56**
